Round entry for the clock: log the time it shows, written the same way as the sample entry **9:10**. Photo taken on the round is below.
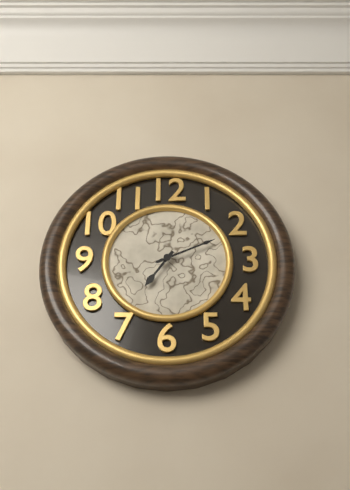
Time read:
**7:11**
